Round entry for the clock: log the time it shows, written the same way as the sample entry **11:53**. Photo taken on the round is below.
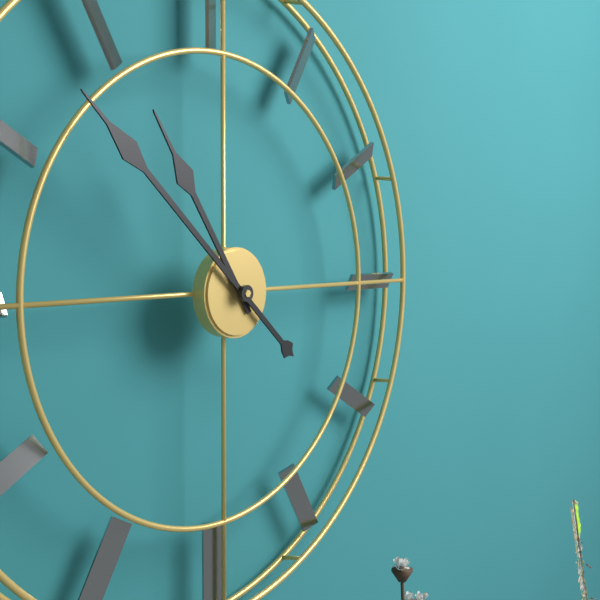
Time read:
**10:52**
